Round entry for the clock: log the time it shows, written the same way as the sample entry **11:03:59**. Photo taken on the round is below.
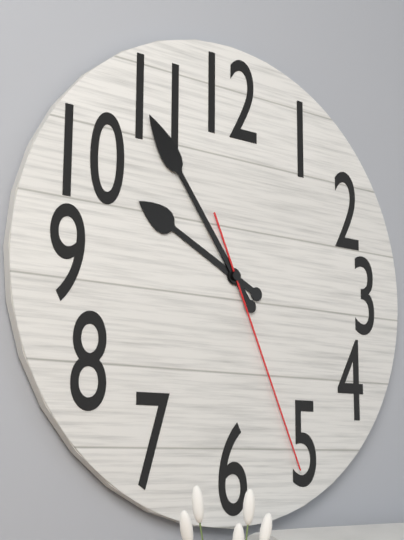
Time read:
**9:54:26**
